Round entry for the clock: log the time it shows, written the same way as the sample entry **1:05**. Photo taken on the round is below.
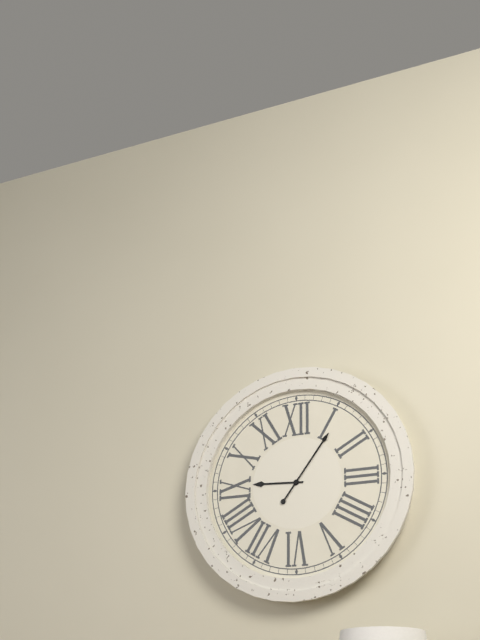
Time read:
**9:06**
